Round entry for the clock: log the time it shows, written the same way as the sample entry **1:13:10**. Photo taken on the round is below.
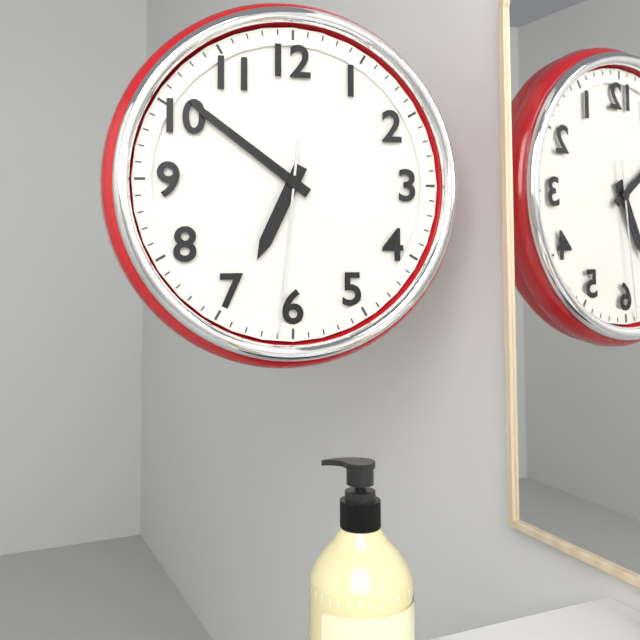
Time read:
**6:51:31**
